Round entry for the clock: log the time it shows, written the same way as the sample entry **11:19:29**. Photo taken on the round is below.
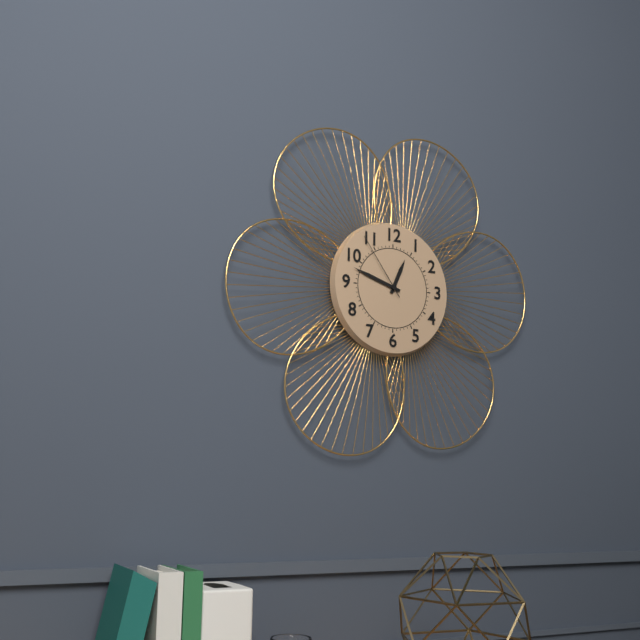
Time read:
**12:48:54**
